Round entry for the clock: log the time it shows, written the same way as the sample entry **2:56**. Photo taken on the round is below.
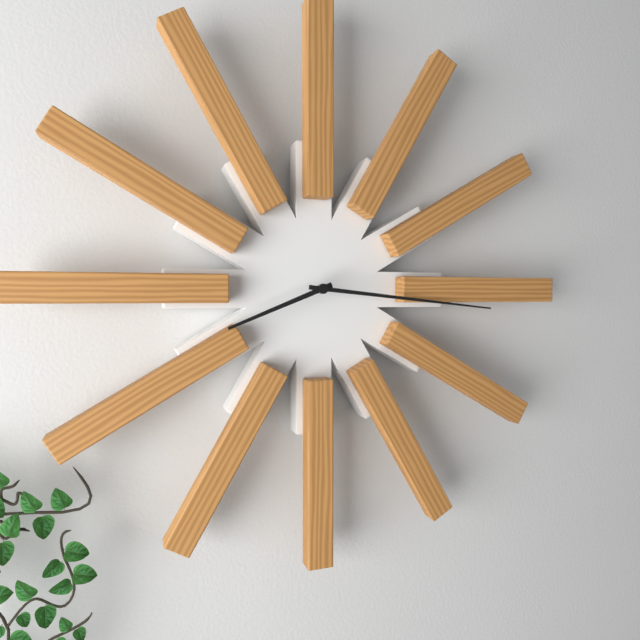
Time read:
**8:16**
